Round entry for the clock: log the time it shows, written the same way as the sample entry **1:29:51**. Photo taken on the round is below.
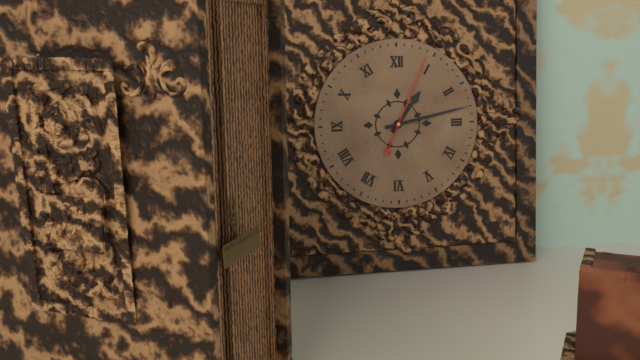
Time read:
**1:13:04**
